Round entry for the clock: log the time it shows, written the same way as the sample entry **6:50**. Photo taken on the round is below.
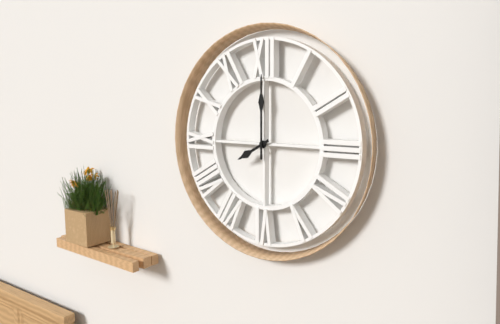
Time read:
**8:00**
